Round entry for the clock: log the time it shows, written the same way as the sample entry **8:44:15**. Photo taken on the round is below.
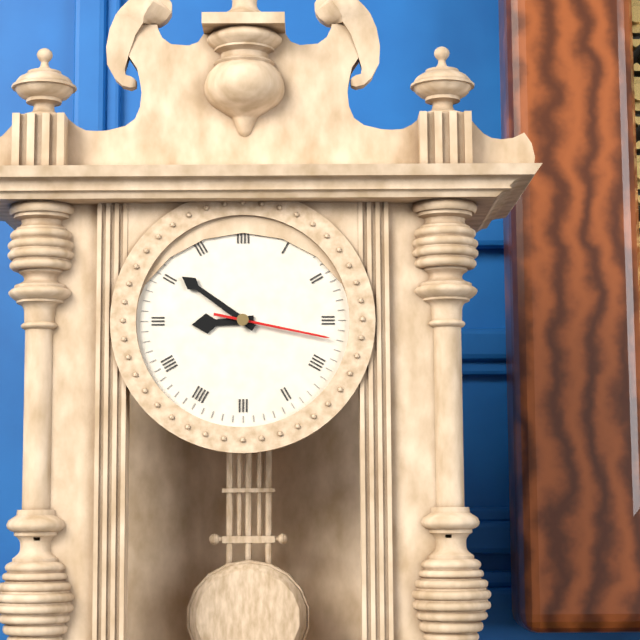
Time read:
**8:51:17**
